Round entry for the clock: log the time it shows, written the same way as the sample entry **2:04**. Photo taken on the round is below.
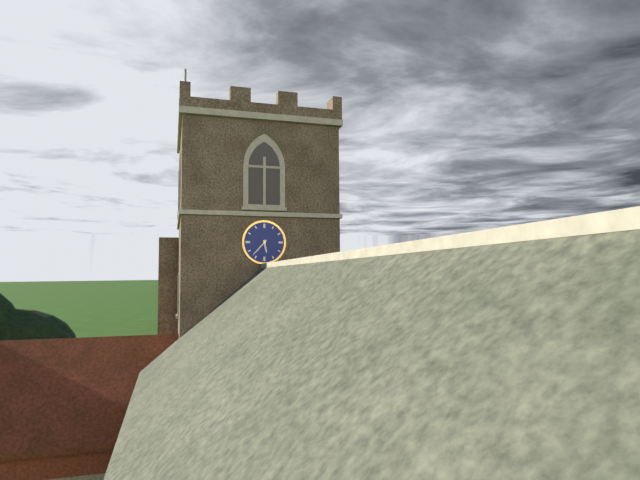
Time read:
**5:37**
